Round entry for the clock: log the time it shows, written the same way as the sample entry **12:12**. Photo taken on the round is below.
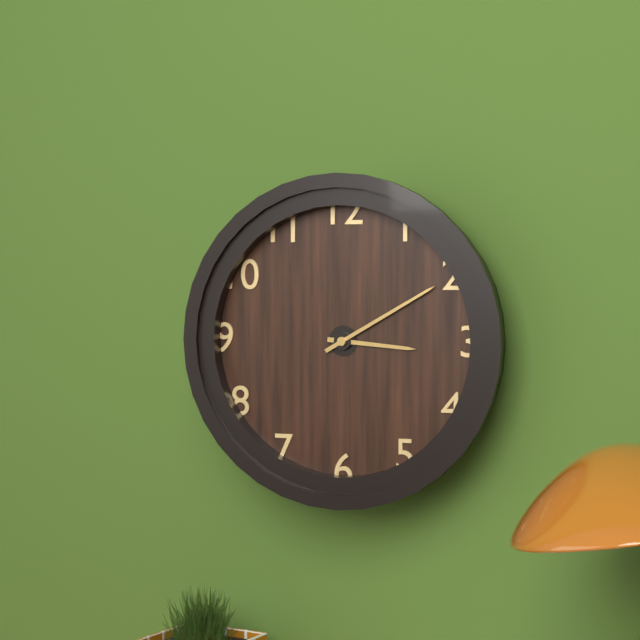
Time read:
**3:10**
